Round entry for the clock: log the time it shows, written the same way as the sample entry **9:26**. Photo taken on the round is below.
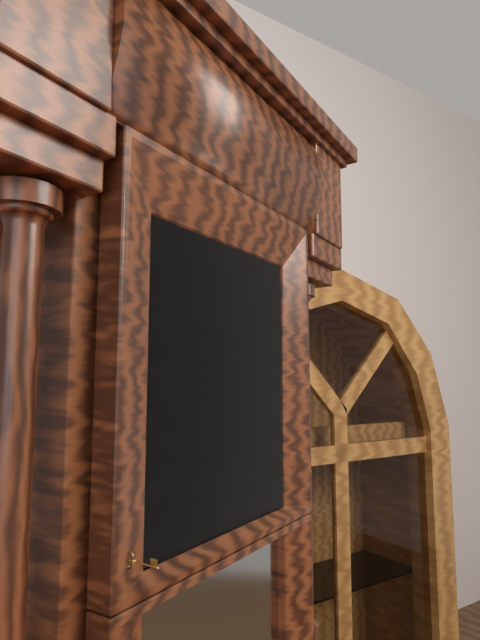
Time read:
**5:08**
